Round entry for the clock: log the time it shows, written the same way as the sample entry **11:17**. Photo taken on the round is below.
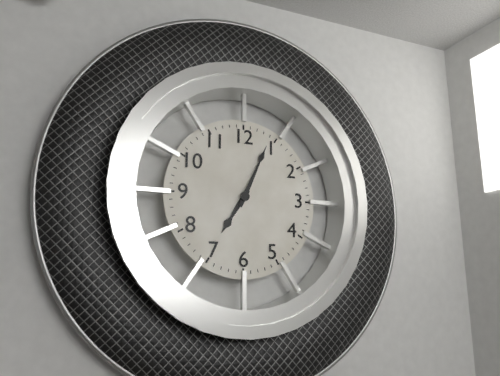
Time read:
**7:04**
